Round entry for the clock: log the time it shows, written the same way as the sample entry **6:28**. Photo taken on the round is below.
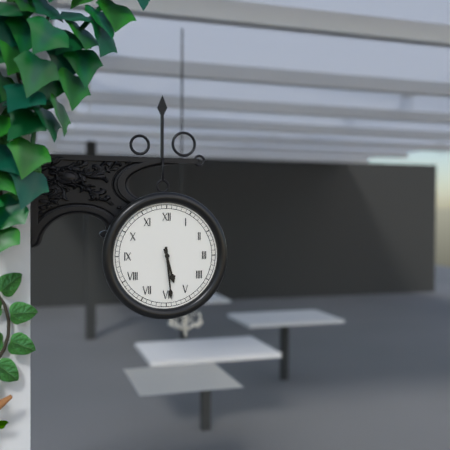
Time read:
**5:29**
